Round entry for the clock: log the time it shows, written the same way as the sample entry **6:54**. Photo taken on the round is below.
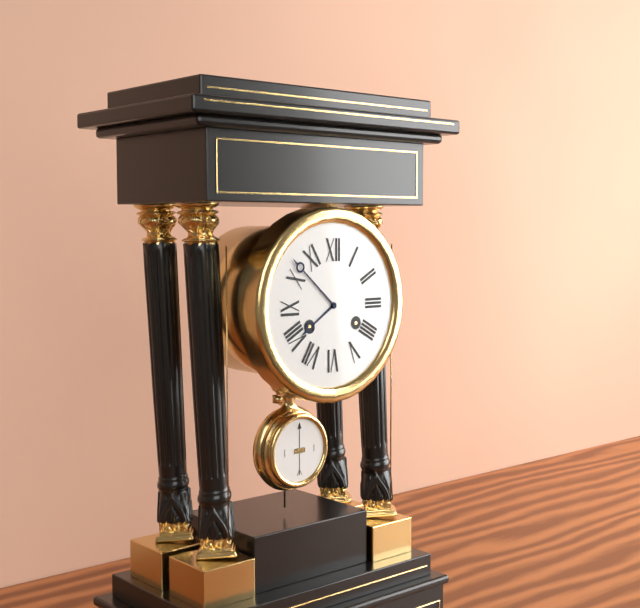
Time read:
**7:52**
